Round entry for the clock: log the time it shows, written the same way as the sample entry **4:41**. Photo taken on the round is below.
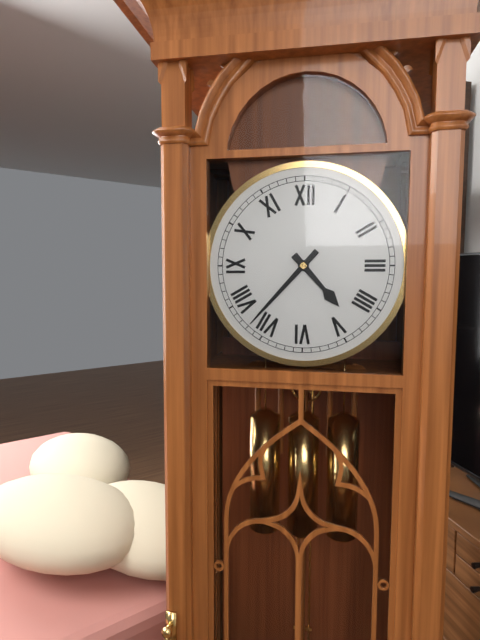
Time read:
**4:37**
